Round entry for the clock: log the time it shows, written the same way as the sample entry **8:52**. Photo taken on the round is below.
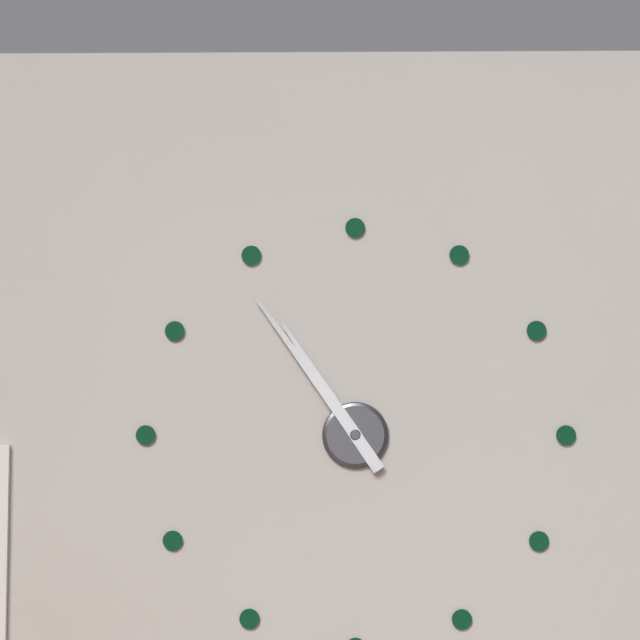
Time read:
**10:54**
